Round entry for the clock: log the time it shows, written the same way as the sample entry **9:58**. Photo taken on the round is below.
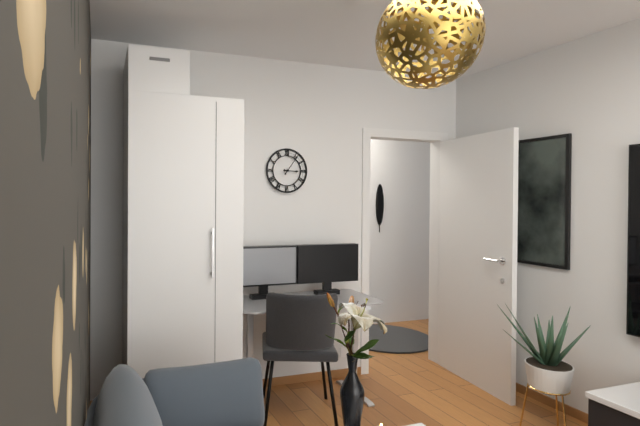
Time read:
**3:06**
